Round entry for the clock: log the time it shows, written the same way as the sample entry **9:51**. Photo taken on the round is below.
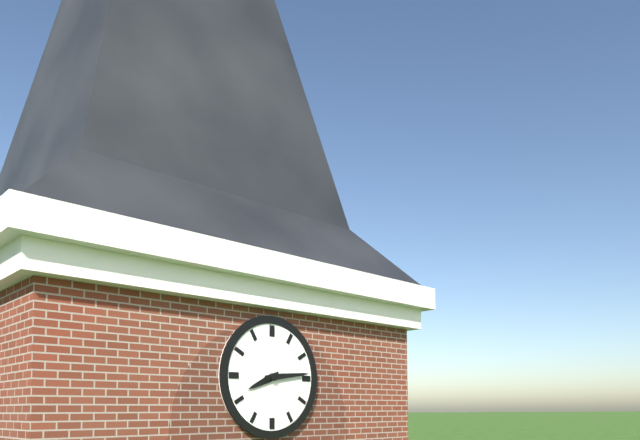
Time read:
**8:14**
